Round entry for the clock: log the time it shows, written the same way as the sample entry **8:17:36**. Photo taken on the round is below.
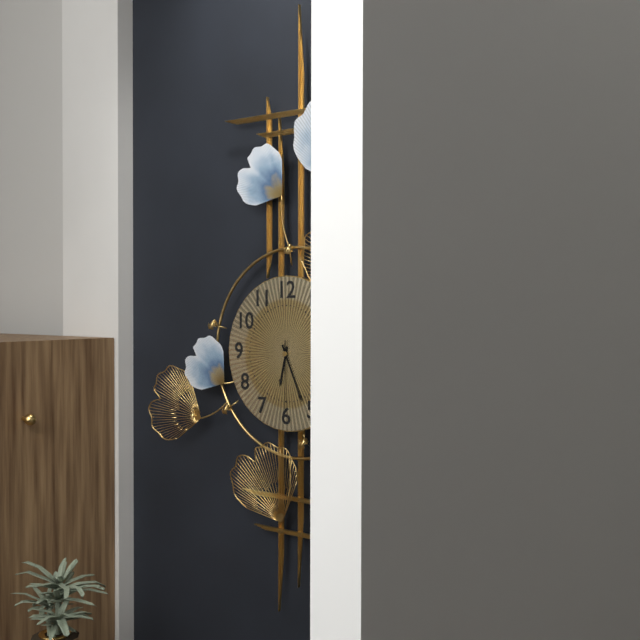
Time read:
**6:26:30**
